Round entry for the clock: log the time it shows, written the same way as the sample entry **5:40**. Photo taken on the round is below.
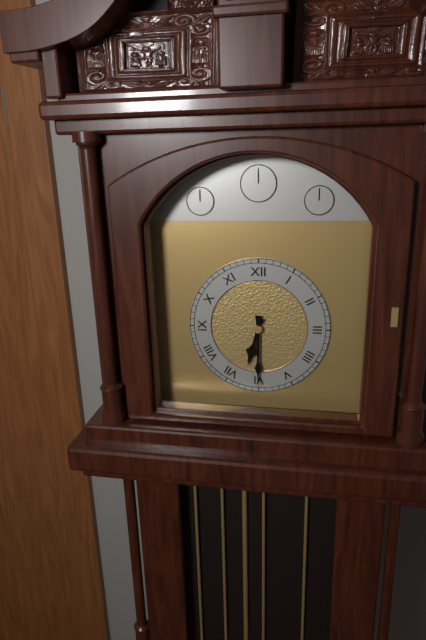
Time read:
**6:30**
